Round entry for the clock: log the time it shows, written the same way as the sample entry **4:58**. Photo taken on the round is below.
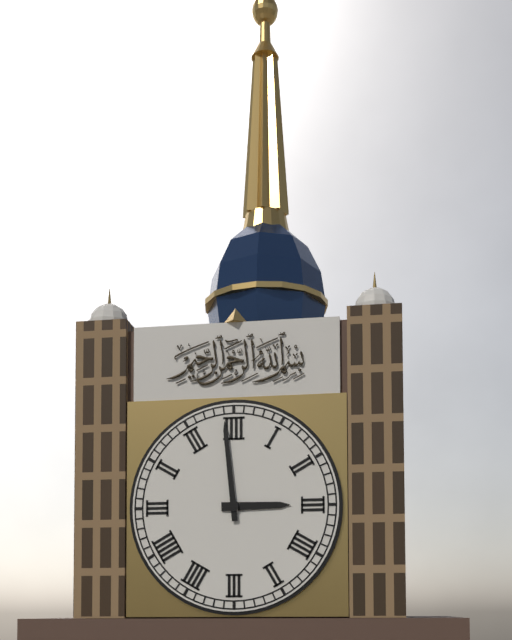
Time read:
**2:59**
